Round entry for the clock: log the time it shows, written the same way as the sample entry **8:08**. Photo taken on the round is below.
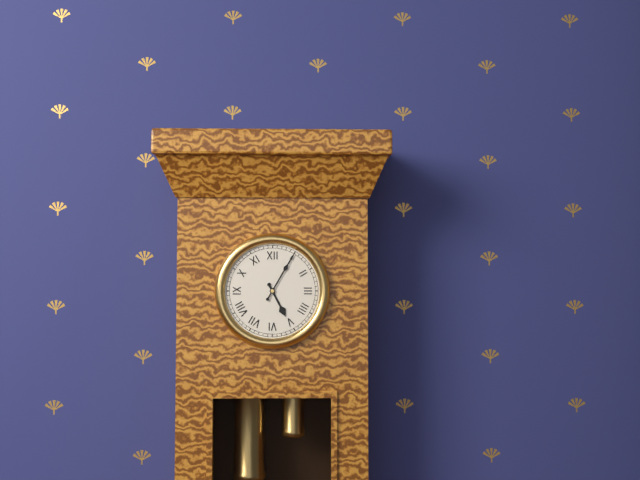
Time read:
**5:05**
